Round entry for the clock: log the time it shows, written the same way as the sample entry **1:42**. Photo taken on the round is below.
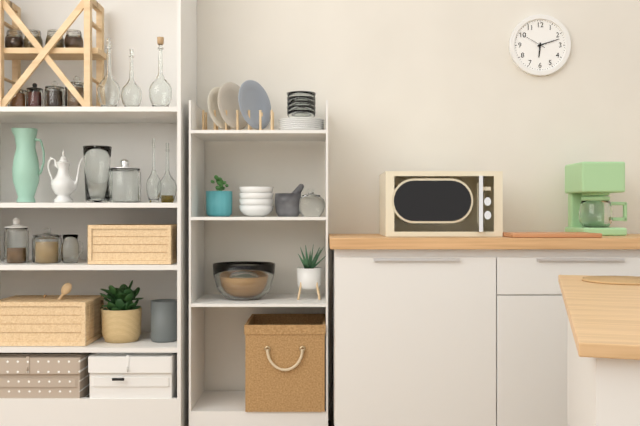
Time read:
**6:12**
